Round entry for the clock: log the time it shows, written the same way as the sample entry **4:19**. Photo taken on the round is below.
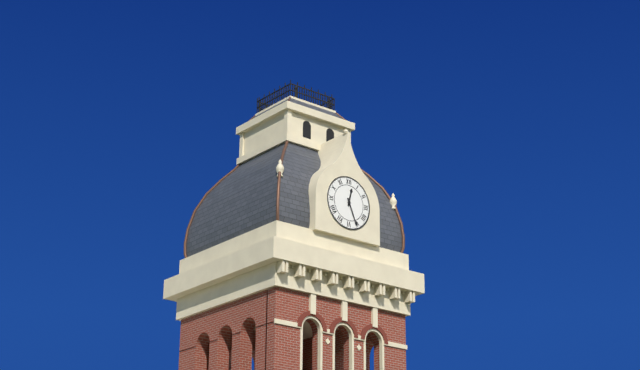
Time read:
**12:26**
